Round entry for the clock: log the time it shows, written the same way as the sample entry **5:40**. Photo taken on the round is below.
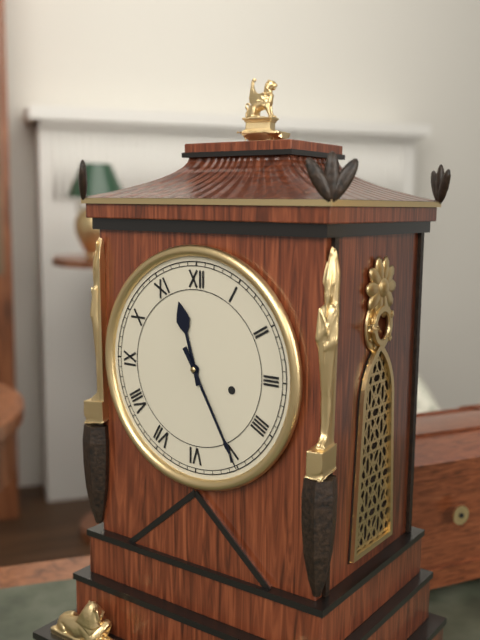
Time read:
**11:25**
